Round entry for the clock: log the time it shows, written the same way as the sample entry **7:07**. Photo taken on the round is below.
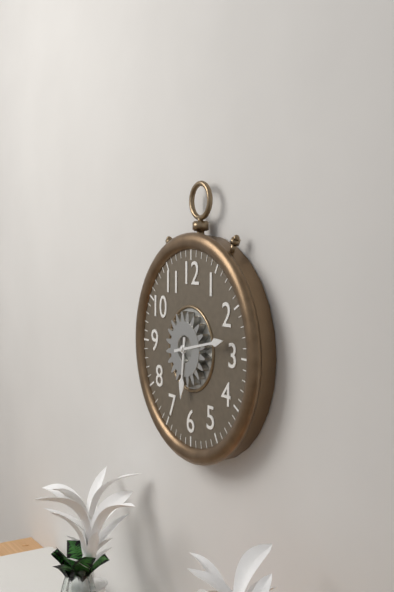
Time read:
**6:13**
